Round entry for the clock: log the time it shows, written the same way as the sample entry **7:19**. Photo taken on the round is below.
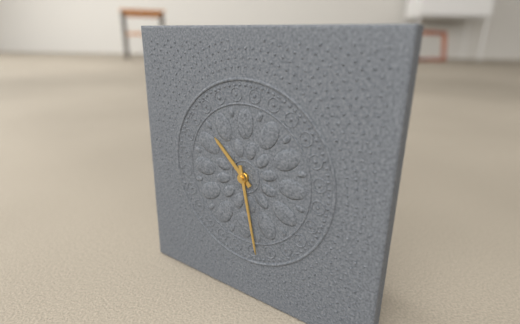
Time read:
**10:28**
